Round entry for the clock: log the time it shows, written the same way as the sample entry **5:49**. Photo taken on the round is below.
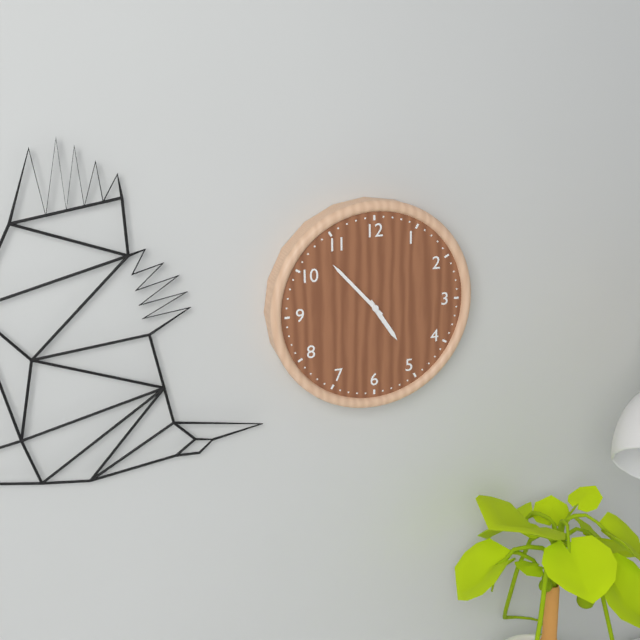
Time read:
**4:53**
